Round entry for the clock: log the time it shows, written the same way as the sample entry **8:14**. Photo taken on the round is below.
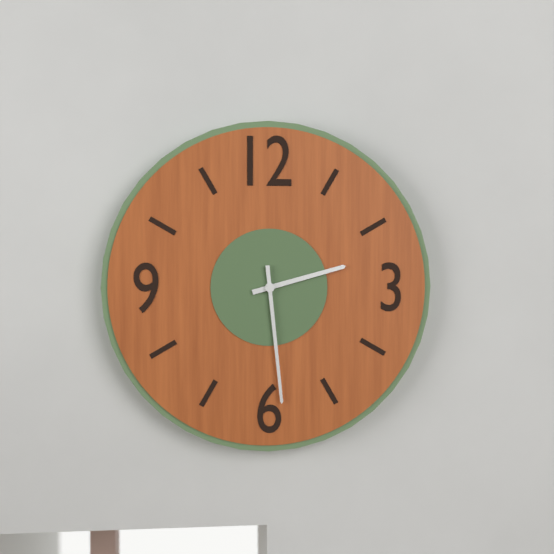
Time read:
**2:29**
